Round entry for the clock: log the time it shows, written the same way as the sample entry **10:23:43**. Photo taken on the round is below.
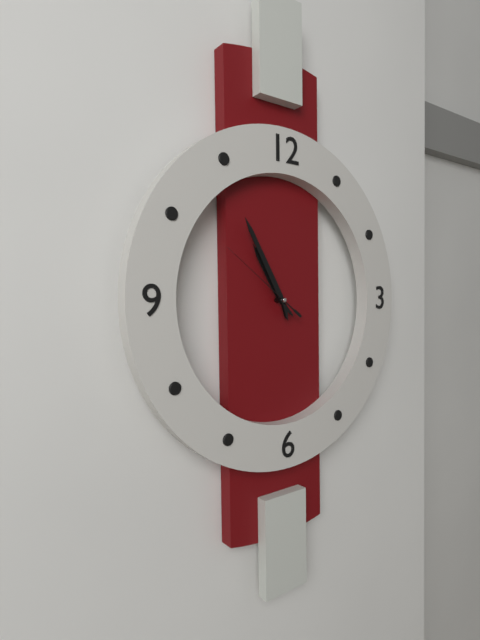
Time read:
**10:55:51**
